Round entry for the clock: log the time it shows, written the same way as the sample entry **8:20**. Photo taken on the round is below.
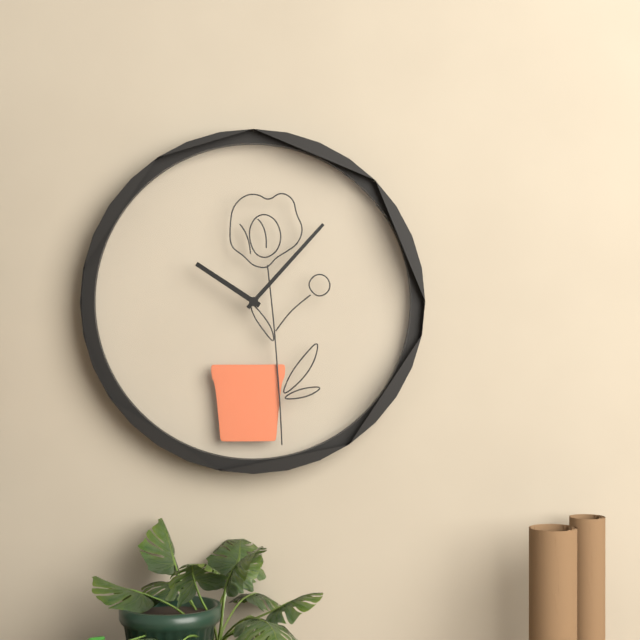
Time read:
**10:07**
